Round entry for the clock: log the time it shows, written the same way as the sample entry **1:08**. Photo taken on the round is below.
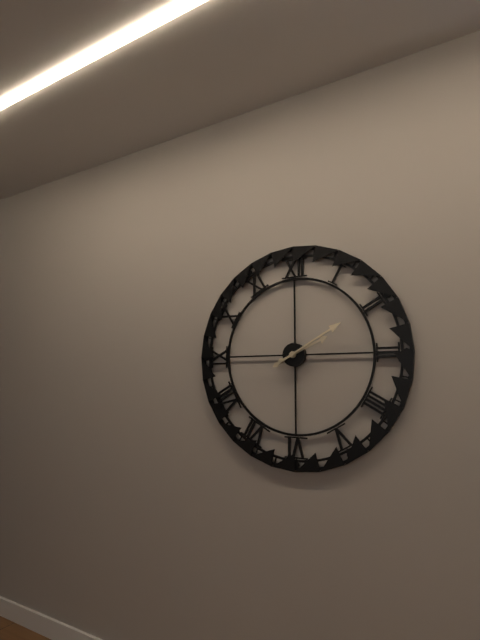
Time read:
**2:10**
